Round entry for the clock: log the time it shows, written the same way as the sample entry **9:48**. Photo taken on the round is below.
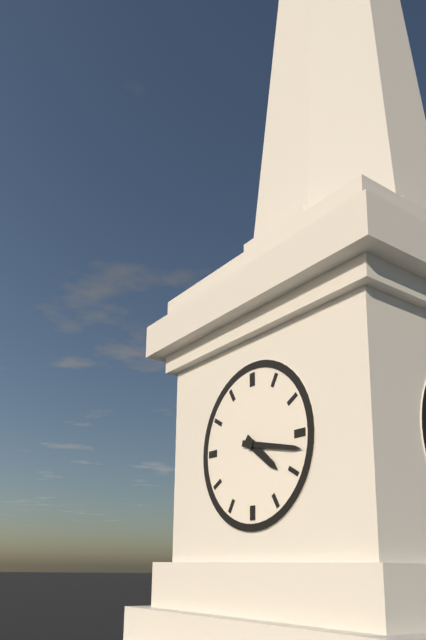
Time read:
**4:17**
